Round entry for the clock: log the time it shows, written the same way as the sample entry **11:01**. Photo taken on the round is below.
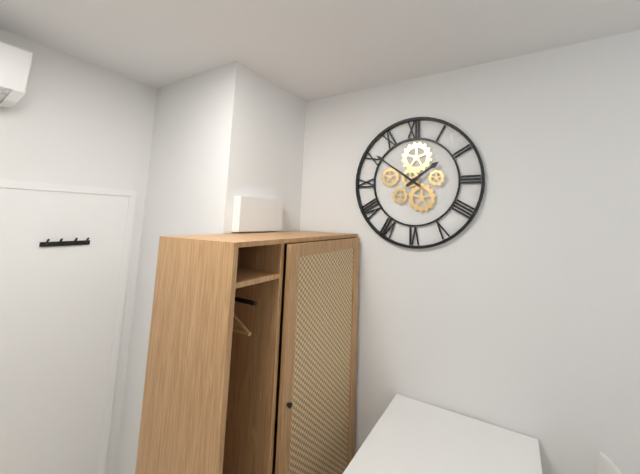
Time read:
**1:51**
